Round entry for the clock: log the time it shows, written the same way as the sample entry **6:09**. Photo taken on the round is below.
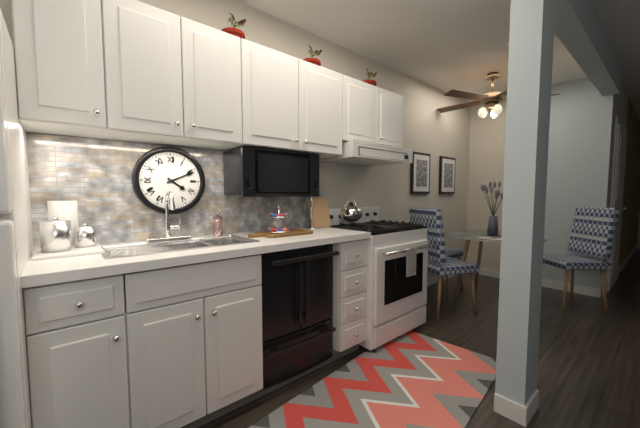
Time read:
**4:11**
